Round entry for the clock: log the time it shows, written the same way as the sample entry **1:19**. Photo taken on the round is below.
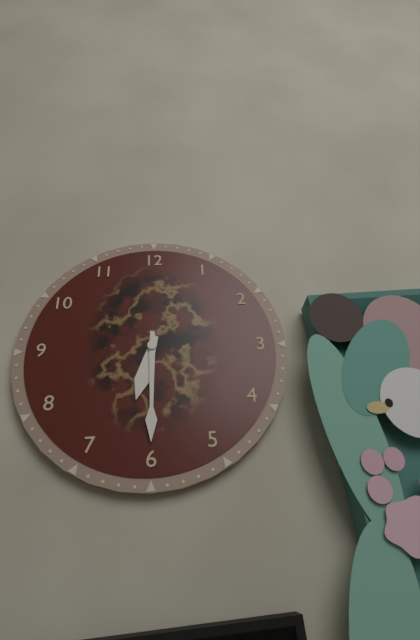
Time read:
**6:30**
